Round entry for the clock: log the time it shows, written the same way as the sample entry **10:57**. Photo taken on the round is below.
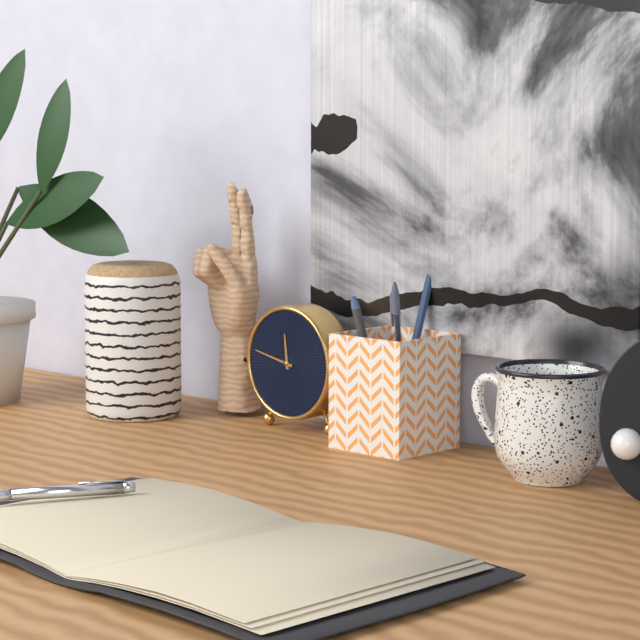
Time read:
**11:47**
